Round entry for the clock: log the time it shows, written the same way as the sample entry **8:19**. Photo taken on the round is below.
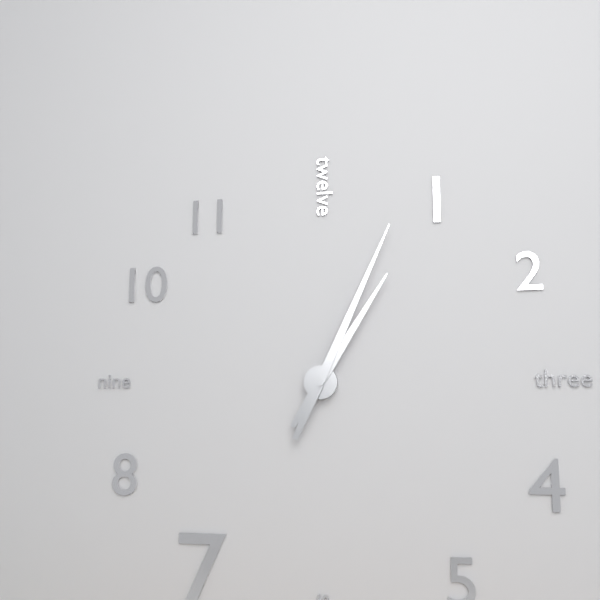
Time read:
**1:04**
